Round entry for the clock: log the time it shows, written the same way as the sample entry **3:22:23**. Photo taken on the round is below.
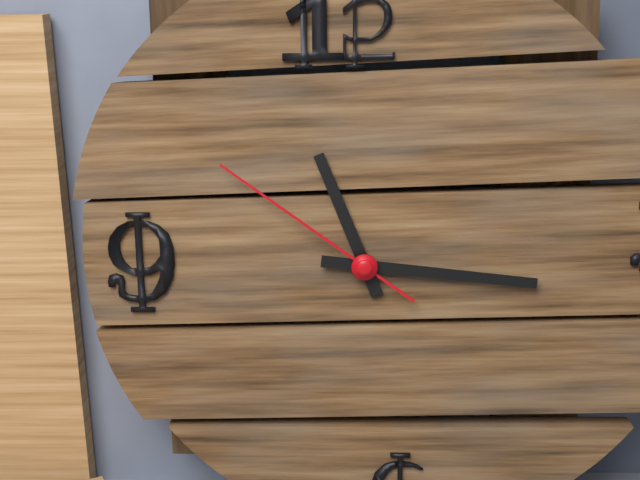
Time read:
**11:16:51**
